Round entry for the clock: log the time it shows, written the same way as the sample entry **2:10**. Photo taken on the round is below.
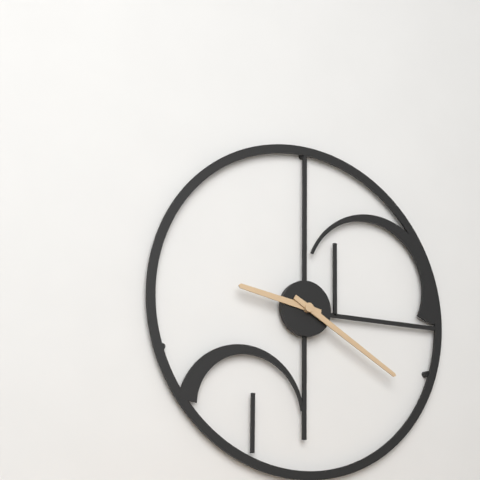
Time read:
**9:20**
